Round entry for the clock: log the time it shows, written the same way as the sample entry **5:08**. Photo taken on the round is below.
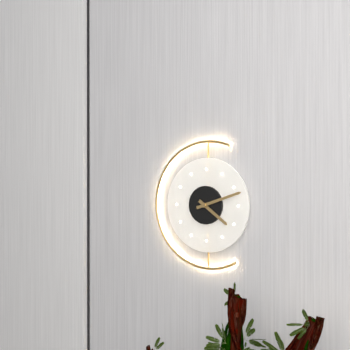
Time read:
**4:12**
